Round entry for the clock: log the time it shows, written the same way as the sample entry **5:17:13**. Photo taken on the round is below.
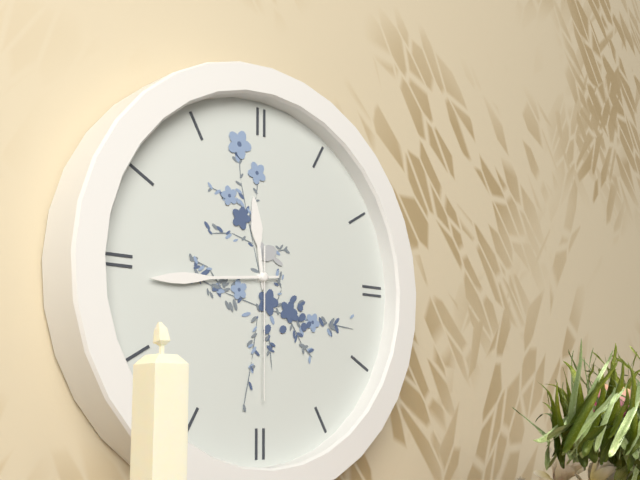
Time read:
**11:44:30**
